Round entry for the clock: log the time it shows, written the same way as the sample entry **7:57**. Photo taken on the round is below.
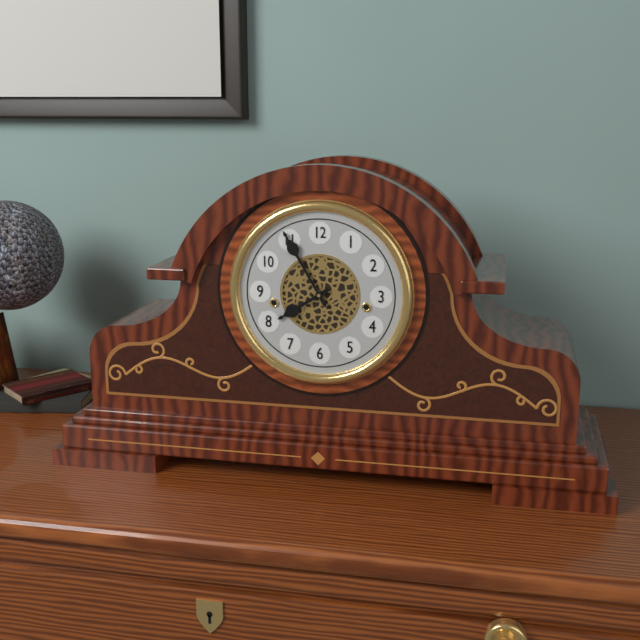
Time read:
**7:55**
